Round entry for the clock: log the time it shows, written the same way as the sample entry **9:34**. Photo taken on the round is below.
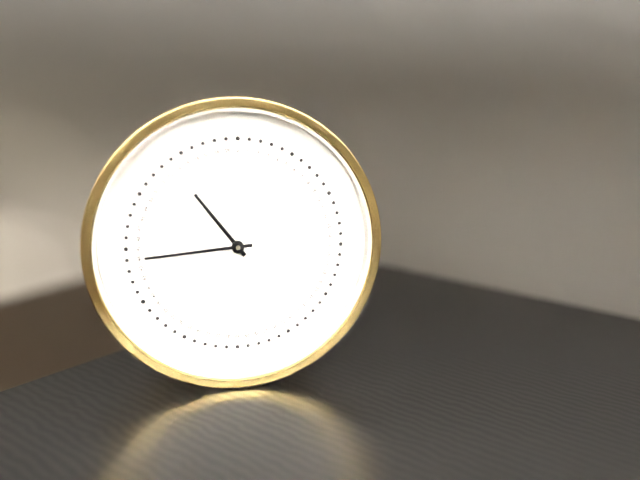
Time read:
**10:44**
